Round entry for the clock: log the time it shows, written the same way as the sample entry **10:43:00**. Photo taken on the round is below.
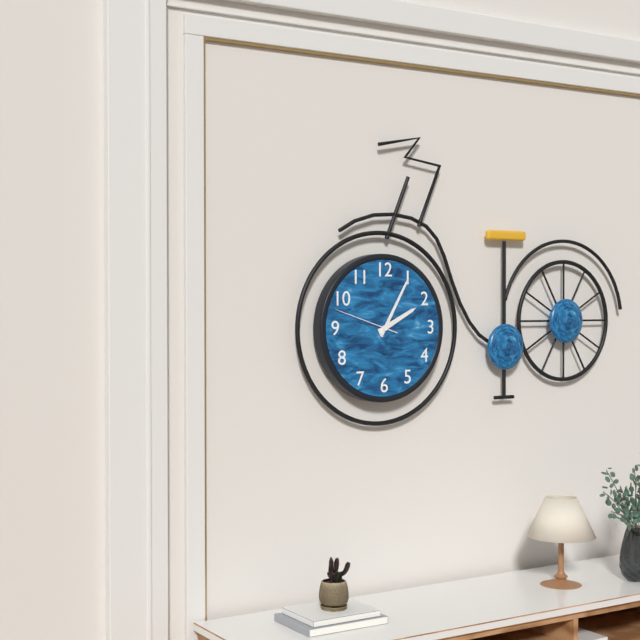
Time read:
**2:05:48**
